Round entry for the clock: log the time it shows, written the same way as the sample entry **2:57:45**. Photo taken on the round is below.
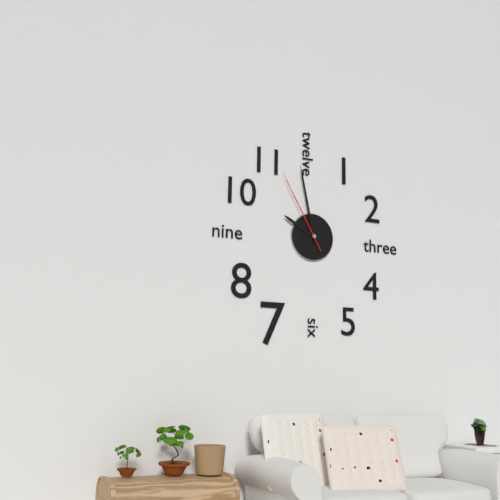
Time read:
**9:58:55**
